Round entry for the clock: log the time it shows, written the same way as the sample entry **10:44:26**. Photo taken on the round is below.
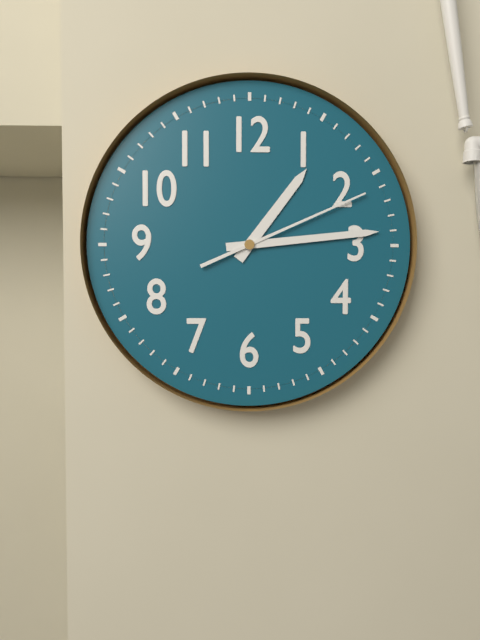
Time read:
**1:14:11**
